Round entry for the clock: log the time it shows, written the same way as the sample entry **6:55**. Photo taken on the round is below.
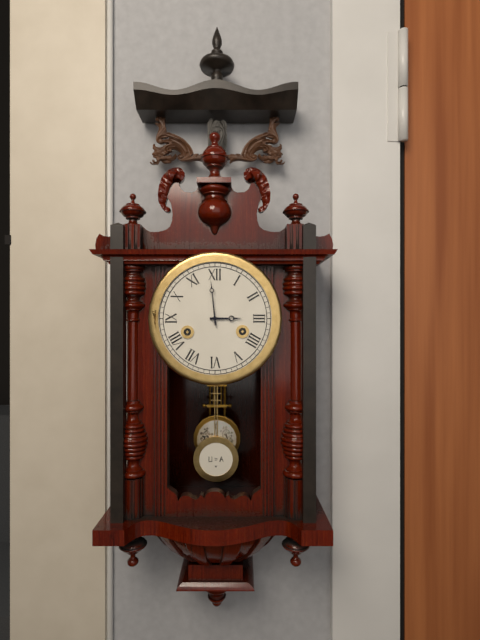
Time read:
**2:59**
